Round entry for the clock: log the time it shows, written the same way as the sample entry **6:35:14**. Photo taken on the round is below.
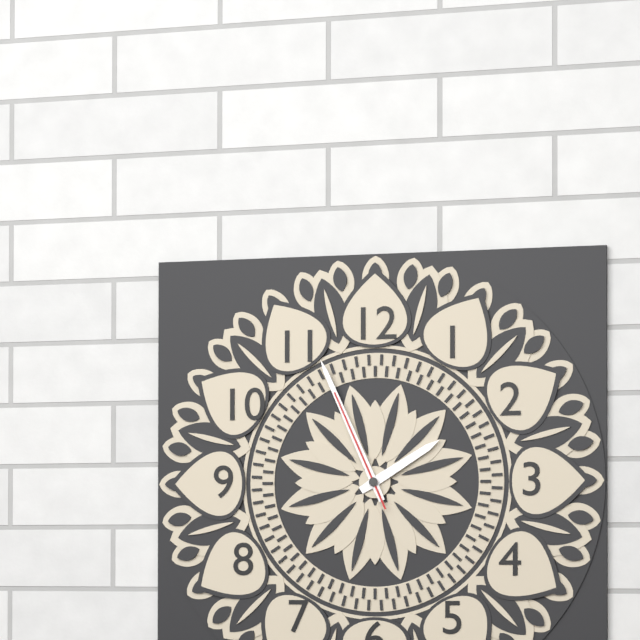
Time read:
**1:56:56**
